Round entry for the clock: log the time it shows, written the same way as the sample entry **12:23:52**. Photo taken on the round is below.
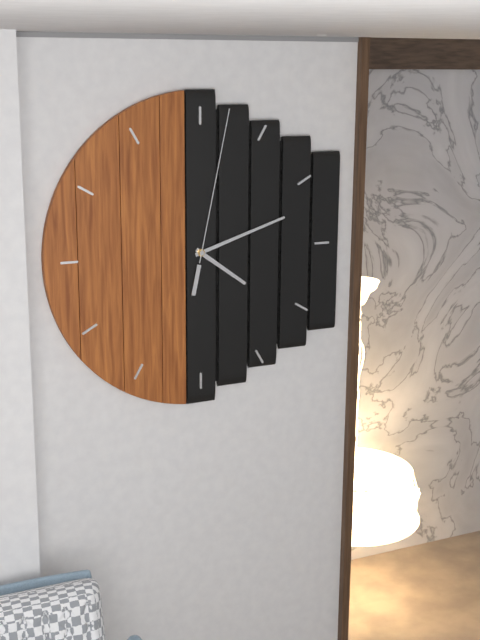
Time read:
**4:12:02**
